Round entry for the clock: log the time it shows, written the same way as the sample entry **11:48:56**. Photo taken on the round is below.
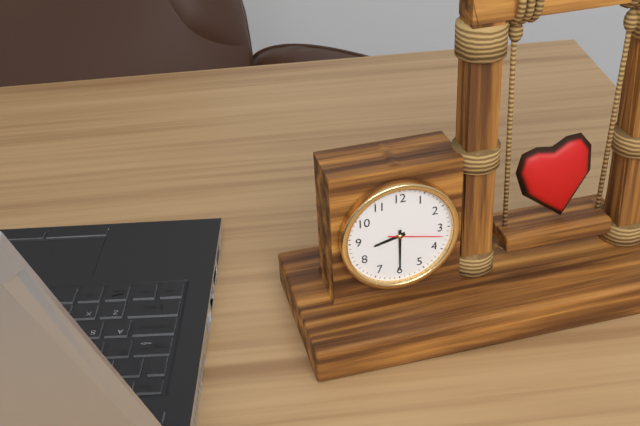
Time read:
**8:30:17**
